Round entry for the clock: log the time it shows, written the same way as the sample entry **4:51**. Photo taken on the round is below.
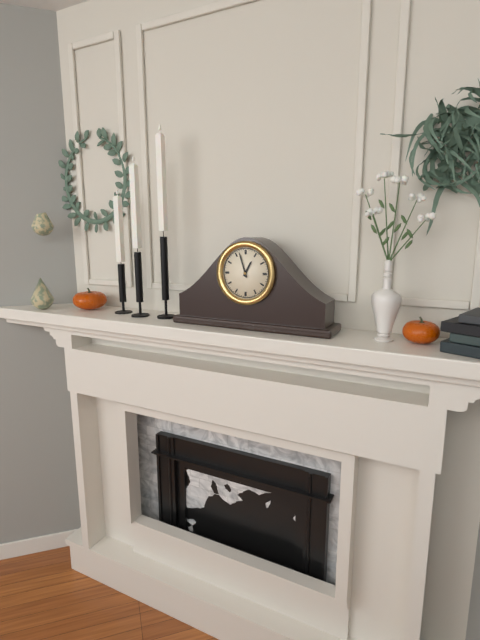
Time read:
**12:57**
